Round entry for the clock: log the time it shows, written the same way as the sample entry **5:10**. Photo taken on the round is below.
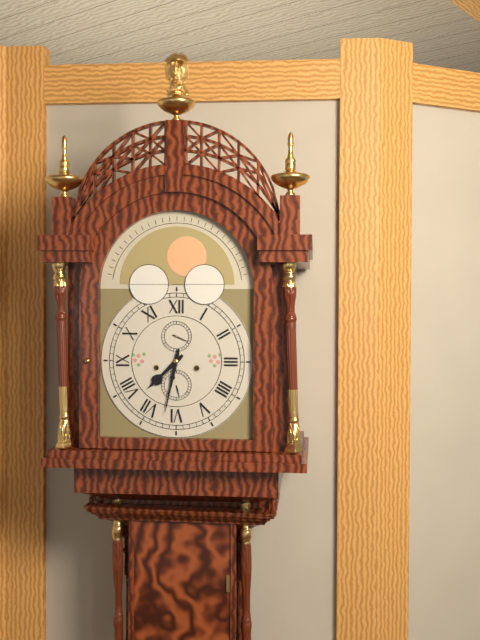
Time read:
**7:32**
